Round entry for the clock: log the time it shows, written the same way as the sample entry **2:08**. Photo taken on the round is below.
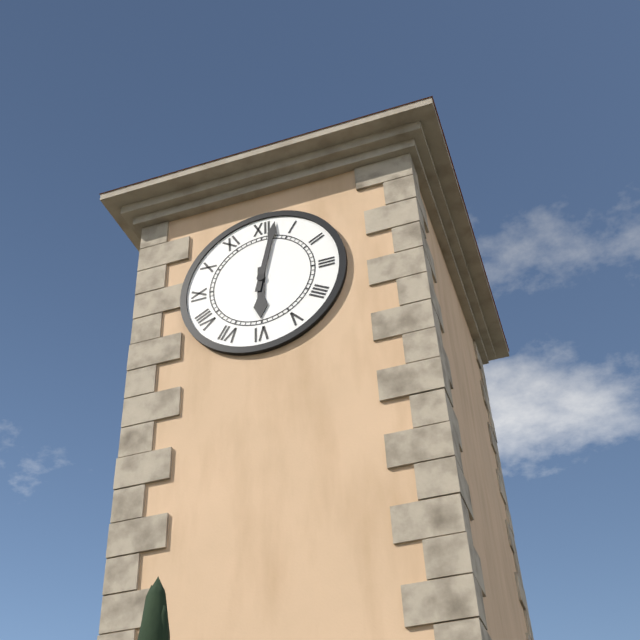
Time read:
**6:02**
